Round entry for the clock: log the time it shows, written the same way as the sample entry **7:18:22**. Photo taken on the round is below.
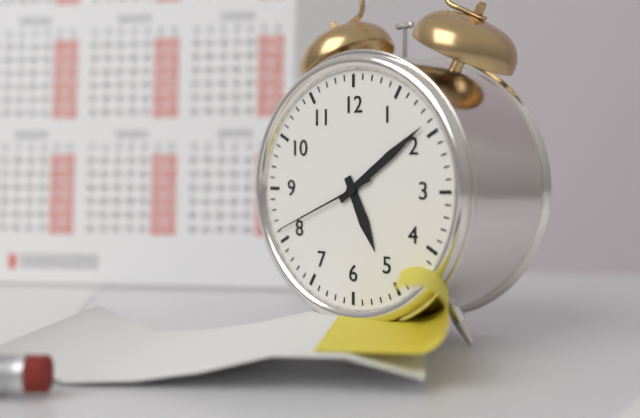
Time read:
**5:09:41**
